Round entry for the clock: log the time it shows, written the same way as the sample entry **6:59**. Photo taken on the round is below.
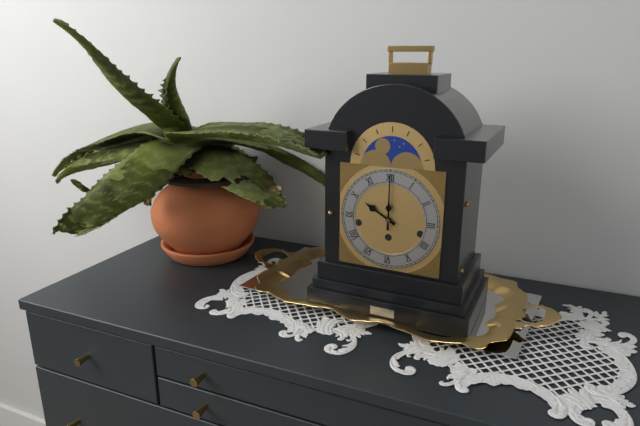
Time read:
**10:00**
